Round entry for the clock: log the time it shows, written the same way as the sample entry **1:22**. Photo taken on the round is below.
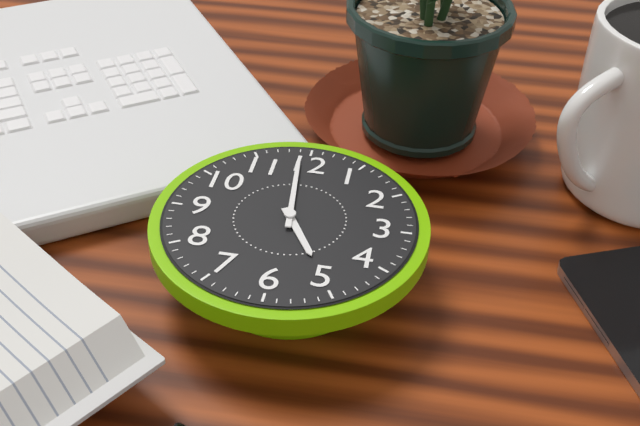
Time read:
**4:59**
